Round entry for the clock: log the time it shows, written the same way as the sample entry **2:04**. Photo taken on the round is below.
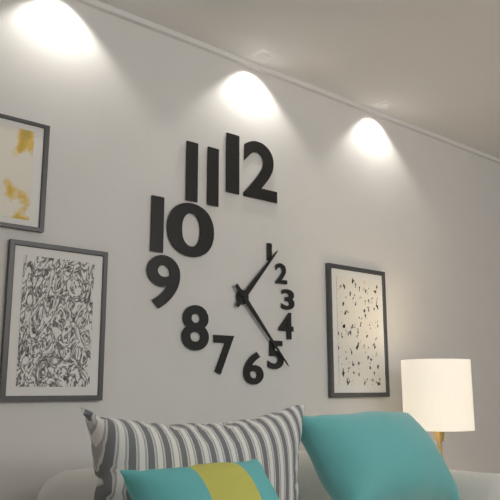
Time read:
**1:23**
